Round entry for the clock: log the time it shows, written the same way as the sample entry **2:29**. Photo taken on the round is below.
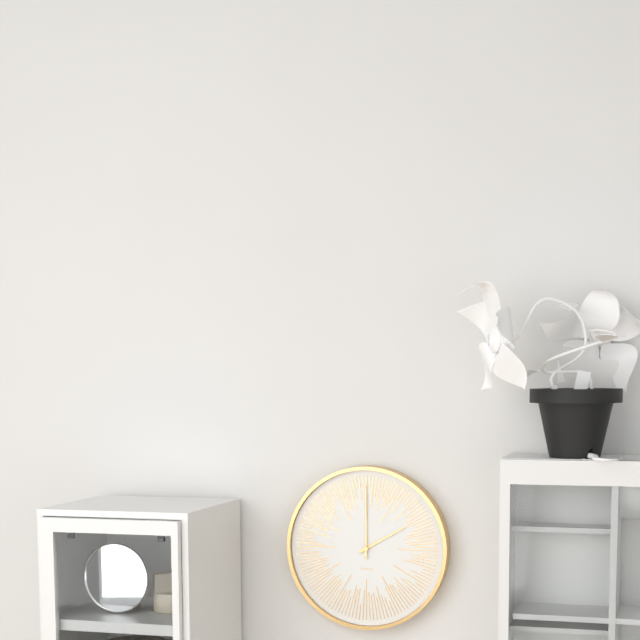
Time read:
**2:00**
